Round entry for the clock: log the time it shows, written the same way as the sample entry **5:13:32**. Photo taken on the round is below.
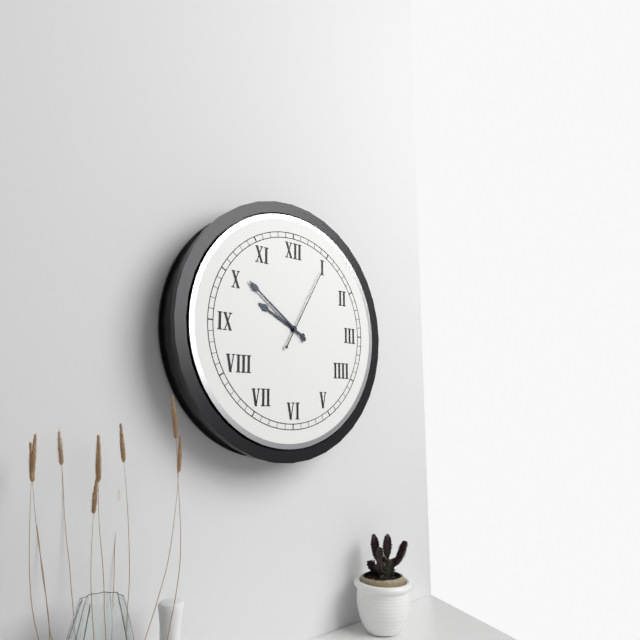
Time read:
**9:51:05**
